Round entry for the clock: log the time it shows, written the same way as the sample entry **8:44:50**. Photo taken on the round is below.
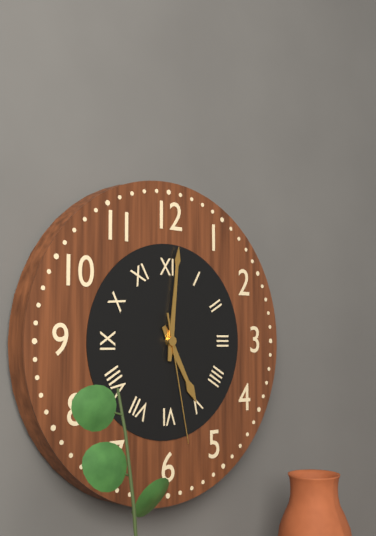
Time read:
**5:01:28**
